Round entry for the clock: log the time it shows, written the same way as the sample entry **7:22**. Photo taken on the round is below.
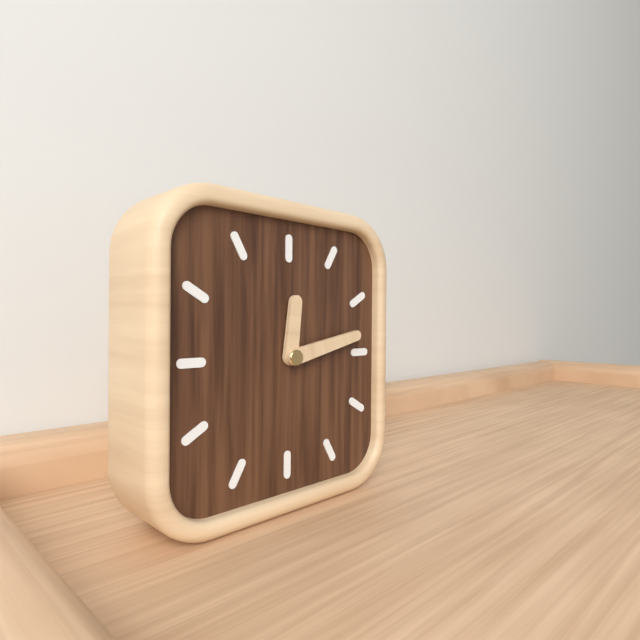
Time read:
**12:13**
